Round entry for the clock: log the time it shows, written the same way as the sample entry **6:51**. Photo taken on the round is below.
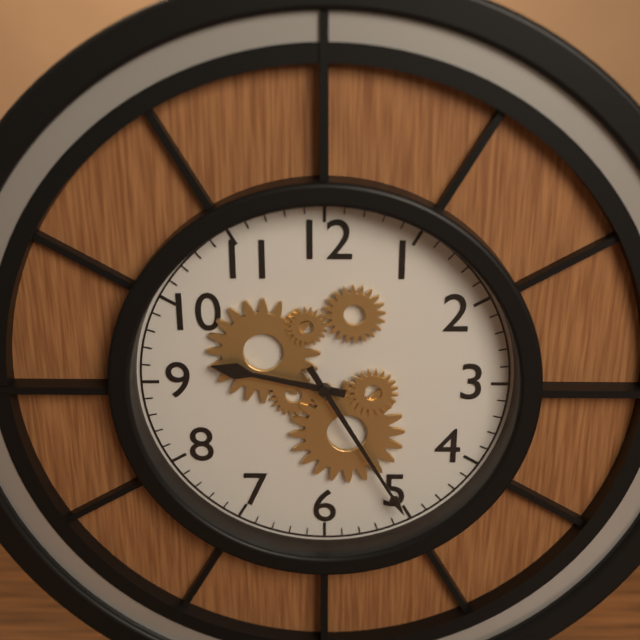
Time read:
**9:25**
